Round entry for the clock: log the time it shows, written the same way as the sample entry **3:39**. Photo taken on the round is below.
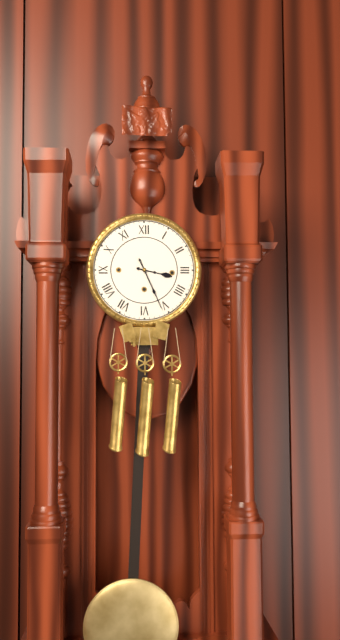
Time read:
**3:26**
